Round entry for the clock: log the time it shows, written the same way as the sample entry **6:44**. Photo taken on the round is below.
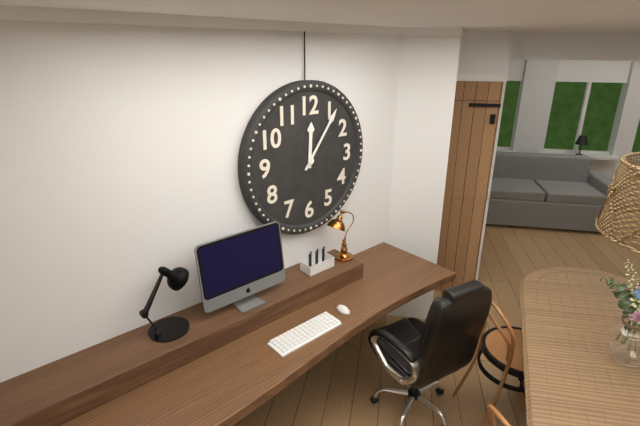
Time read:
**12:06**
